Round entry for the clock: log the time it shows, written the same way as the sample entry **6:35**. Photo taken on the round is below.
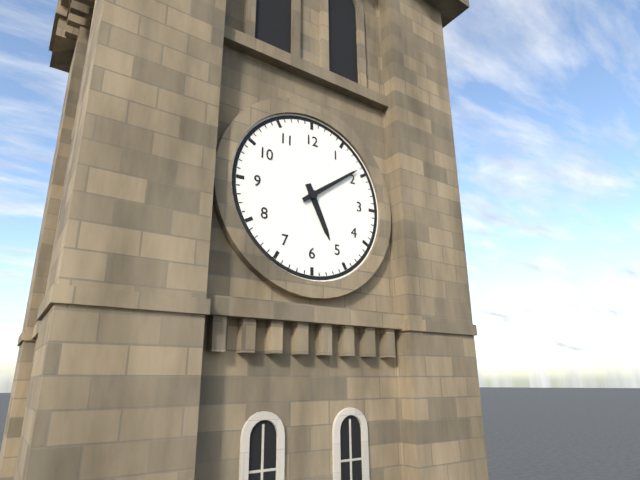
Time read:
**5:09**
